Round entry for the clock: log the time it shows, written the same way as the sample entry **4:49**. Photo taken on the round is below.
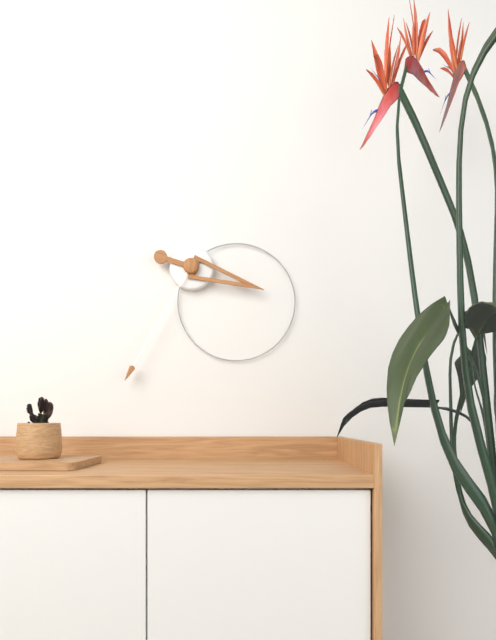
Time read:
**3:35**
